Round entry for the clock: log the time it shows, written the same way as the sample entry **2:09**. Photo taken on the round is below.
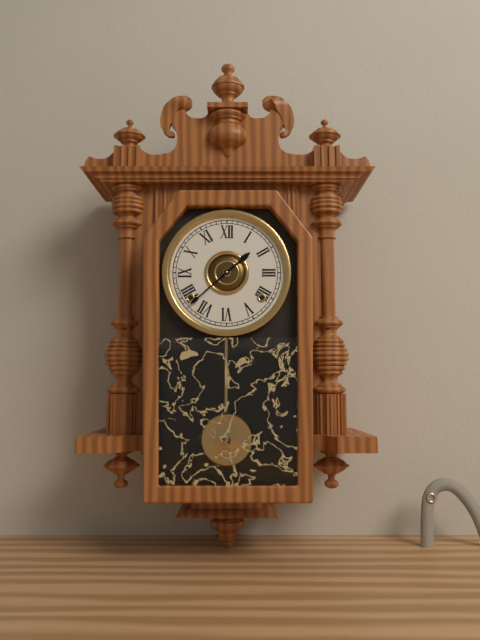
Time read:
**1:38**
